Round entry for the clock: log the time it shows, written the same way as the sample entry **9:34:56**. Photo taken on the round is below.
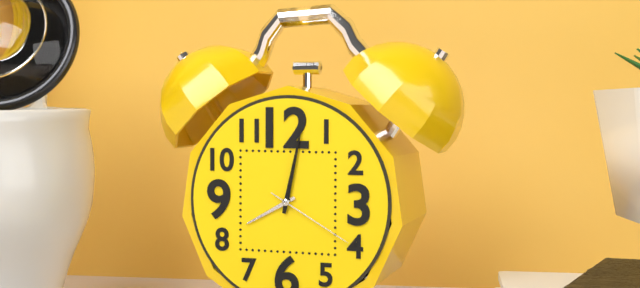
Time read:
**8:02:20**
